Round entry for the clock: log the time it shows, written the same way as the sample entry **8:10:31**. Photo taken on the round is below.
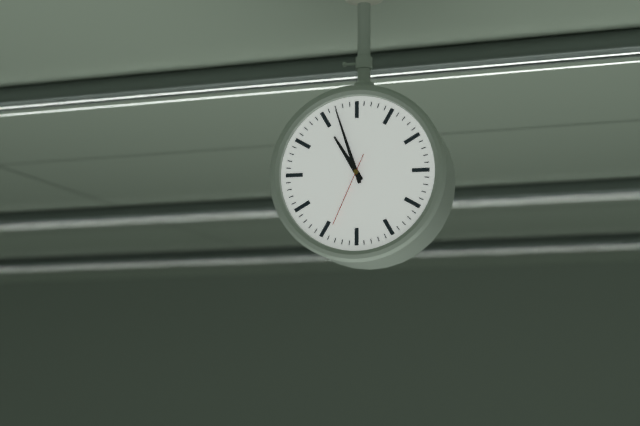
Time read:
**10:57:34**
